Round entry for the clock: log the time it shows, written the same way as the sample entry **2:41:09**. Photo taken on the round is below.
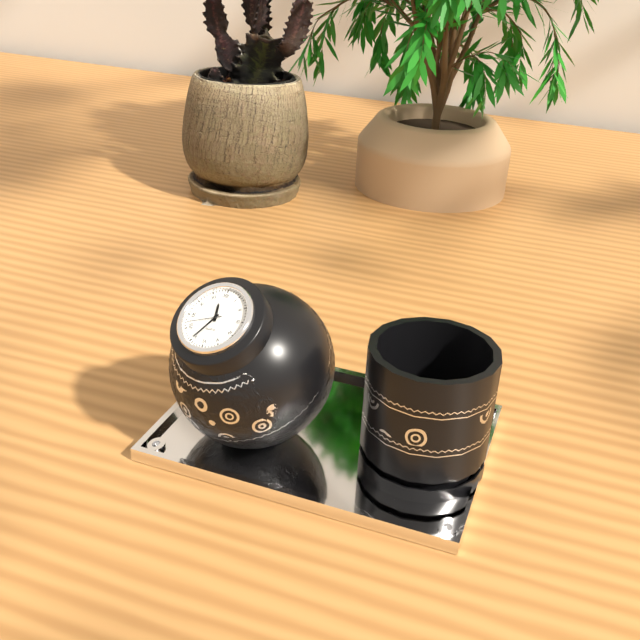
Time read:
**11:35:42**
